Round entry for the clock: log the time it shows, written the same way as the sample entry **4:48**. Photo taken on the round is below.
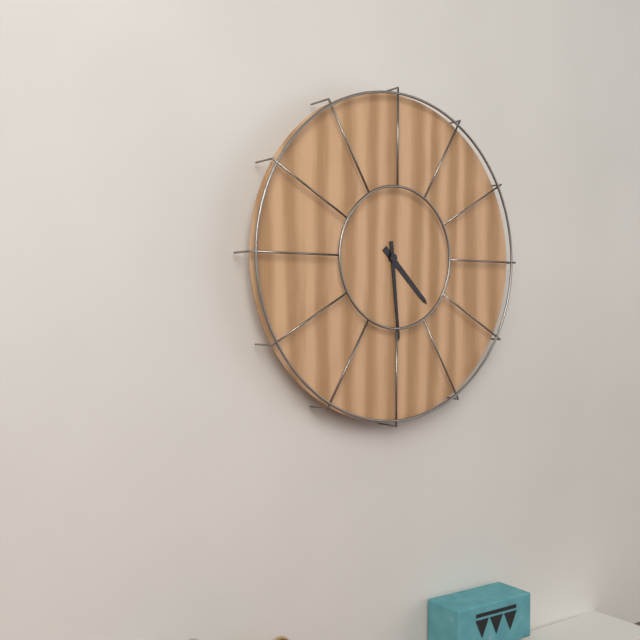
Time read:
**4:29**
